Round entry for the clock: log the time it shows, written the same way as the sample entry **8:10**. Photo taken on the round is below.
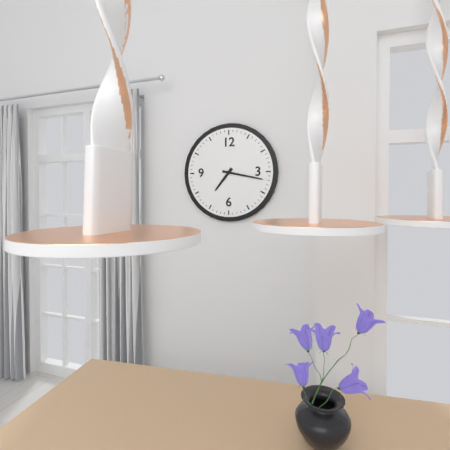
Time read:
**7:17**
